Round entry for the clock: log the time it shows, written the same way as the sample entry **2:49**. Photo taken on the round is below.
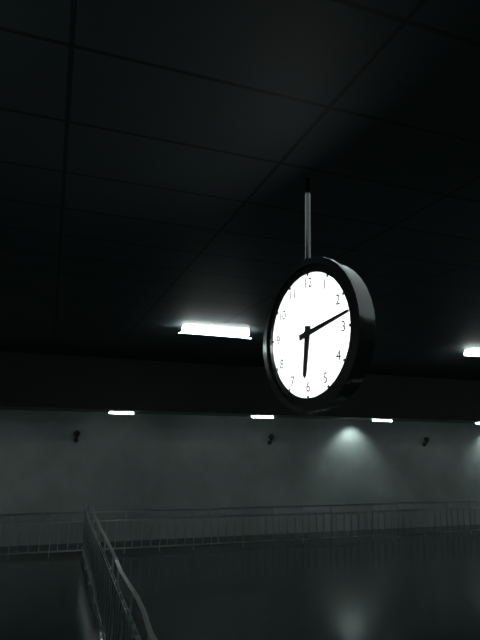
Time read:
**6:13**
